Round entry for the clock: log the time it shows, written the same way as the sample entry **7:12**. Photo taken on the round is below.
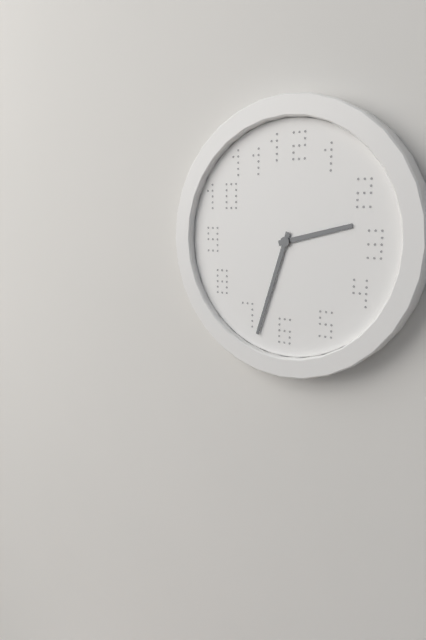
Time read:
**2:33**
